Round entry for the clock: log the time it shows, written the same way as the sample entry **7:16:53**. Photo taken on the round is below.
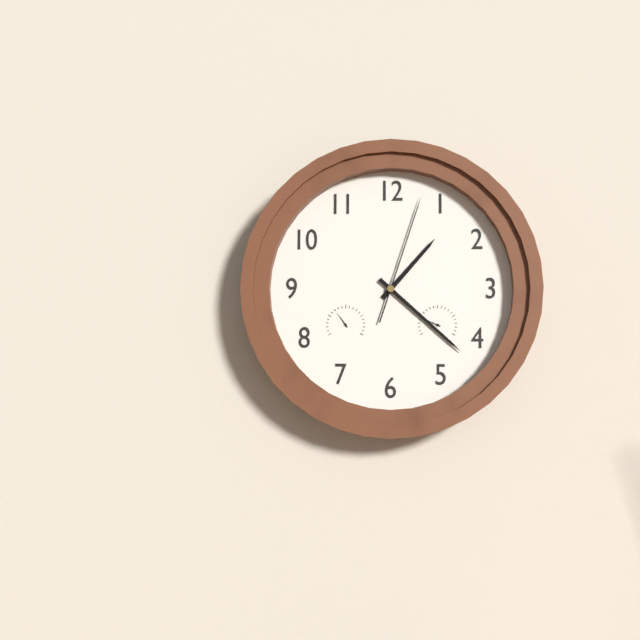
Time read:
**1:22:03**
